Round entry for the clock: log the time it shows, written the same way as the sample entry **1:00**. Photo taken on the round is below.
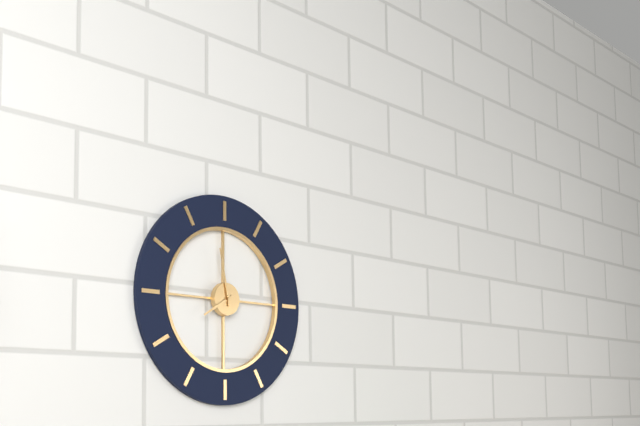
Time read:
**7:58**
